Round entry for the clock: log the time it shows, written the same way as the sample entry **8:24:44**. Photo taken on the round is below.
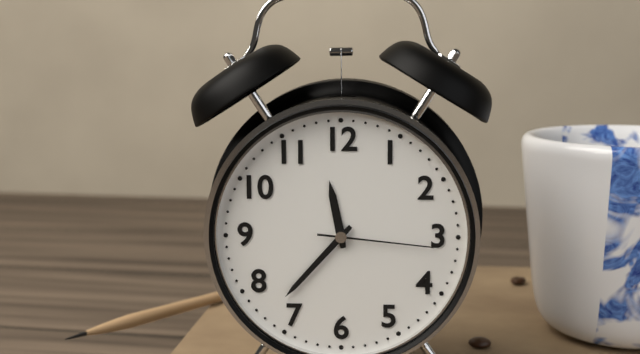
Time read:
**11:37:16**
